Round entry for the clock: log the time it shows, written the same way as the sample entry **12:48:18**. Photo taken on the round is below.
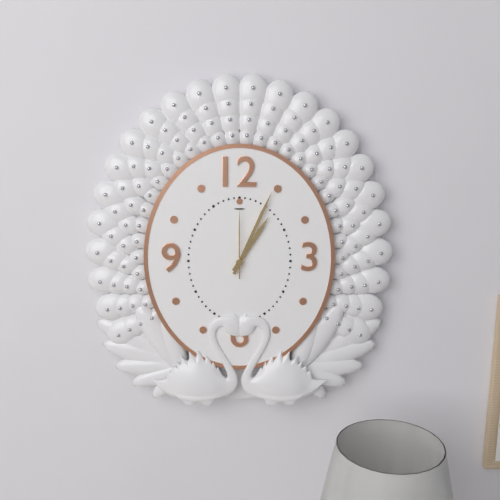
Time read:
**1:04:00**
